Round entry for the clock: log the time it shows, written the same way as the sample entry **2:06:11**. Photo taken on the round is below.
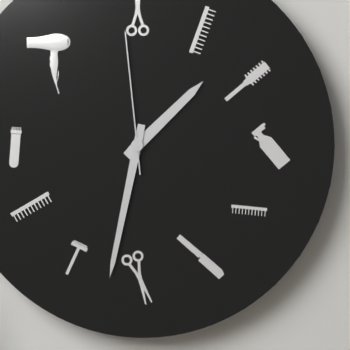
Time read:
**1:32:59**
